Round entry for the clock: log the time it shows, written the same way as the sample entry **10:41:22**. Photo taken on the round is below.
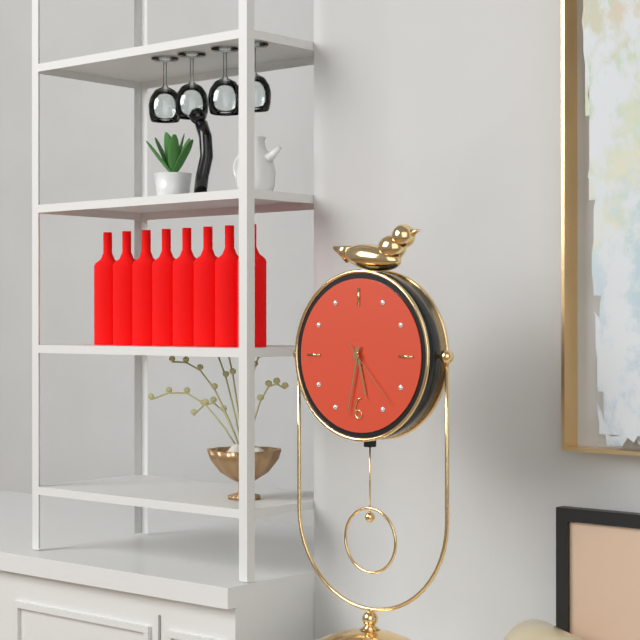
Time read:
**5:32:23**
